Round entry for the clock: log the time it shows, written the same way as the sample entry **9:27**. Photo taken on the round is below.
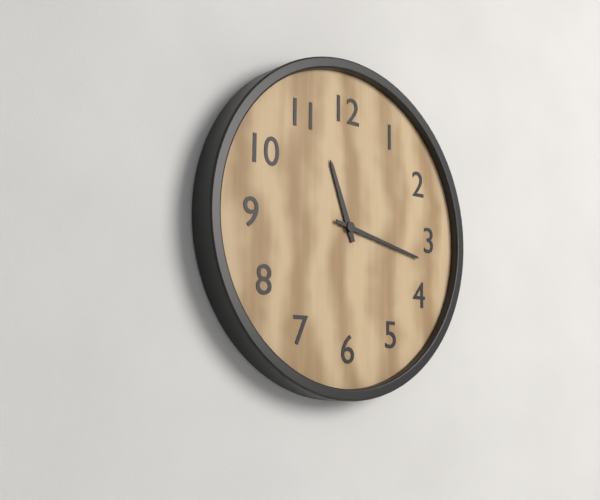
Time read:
**11:17**
